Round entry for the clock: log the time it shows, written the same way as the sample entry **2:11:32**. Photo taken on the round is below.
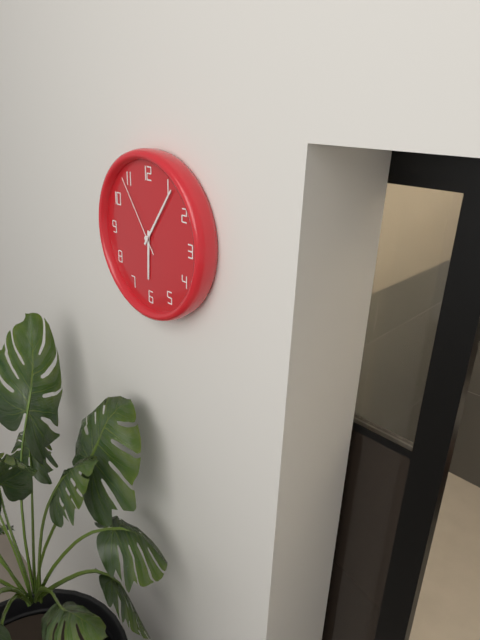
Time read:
**6:06:54**
